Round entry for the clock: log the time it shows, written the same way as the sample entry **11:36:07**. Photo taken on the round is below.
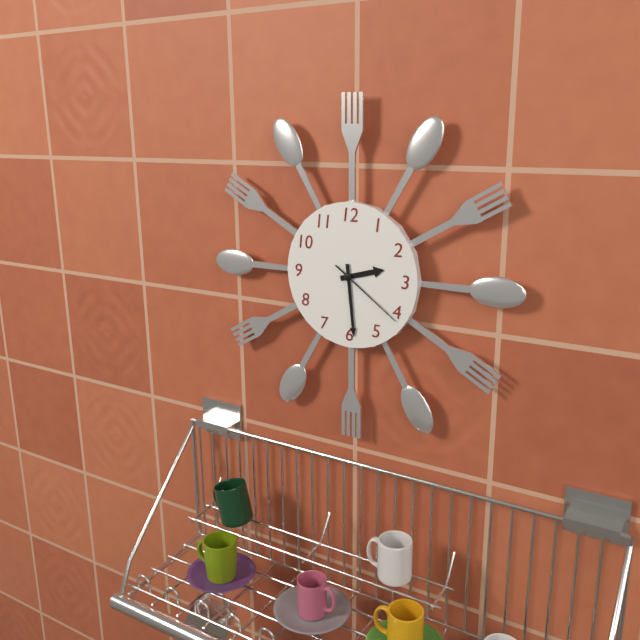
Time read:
**2:29:21**
